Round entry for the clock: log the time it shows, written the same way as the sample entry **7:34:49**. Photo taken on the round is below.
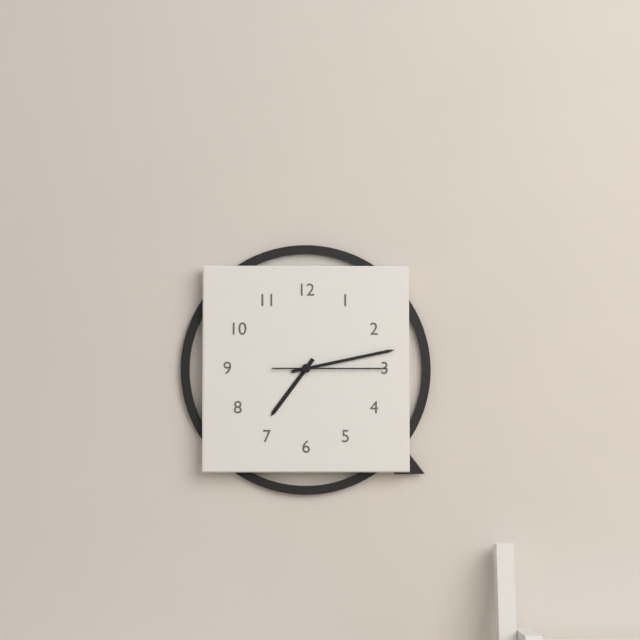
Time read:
**7:13:15**
